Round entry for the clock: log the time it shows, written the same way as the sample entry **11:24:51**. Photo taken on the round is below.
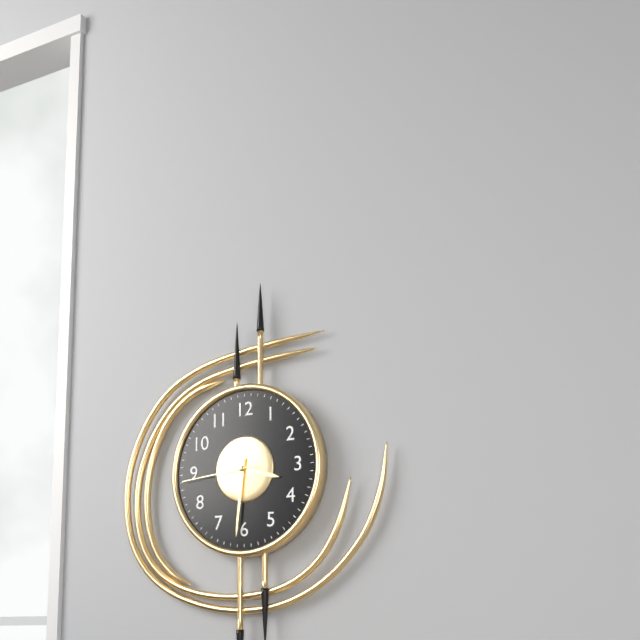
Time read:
**3:31:44**
